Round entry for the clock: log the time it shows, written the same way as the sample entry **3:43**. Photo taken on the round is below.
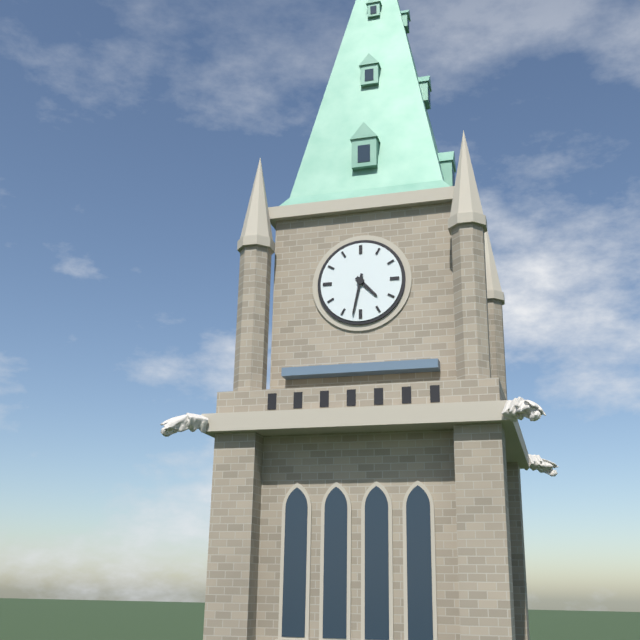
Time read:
**4:32**
